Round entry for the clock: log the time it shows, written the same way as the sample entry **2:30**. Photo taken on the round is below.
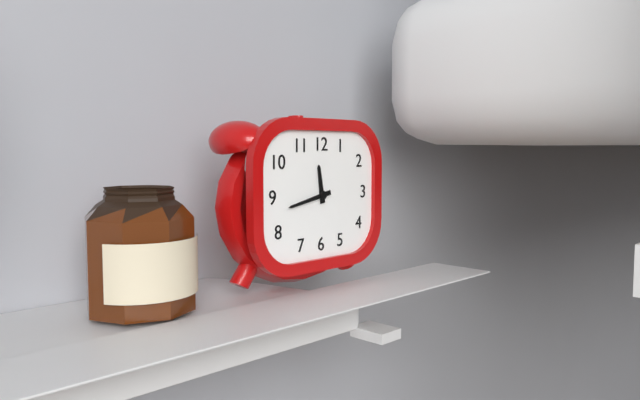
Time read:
**11:43**
